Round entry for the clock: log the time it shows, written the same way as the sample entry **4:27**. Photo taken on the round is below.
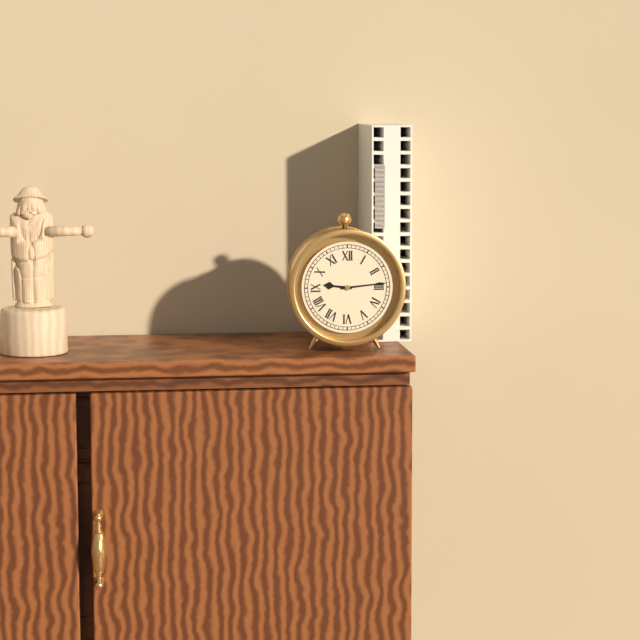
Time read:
**9:14**
